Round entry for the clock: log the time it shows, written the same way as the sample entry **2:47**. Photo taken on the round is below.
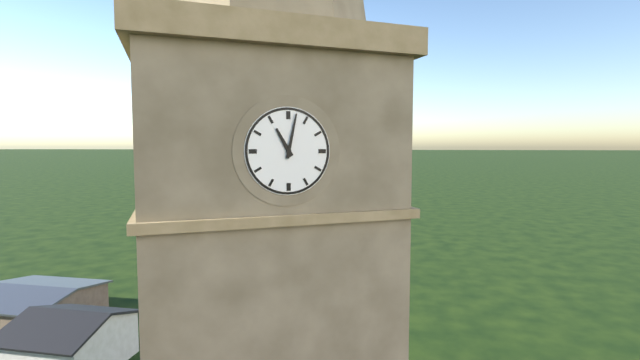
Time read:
**11:02**
